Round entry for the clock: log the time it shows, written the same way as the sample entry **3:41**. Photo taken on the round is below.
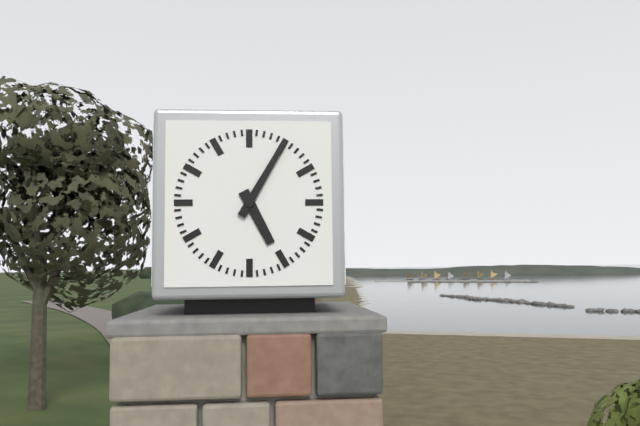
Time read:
**5:05**
